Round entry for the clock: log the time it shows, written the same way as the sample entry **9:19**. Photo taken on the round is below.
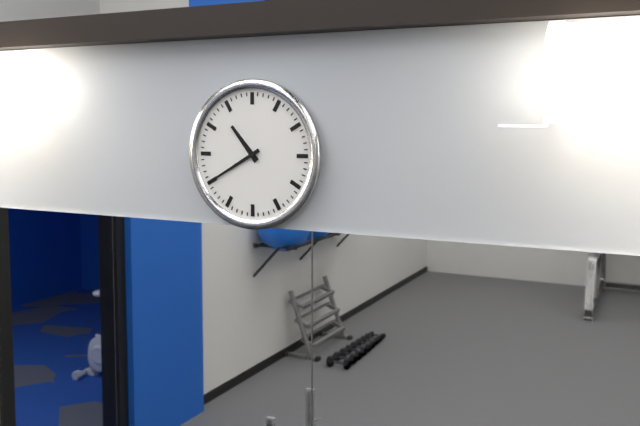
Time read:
**10:40**
